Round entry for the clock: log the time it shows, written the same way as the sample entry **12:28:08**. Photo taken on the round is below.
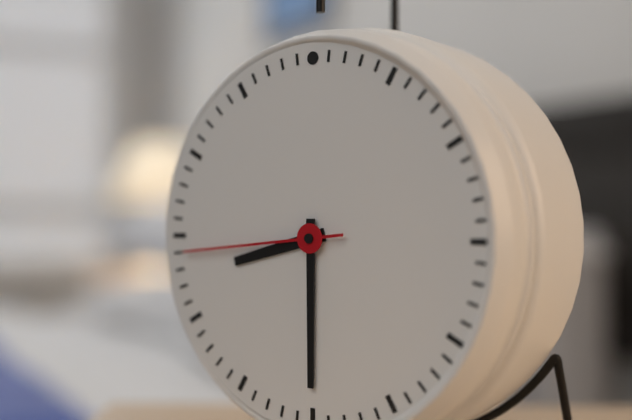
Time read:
**8:30:44**
